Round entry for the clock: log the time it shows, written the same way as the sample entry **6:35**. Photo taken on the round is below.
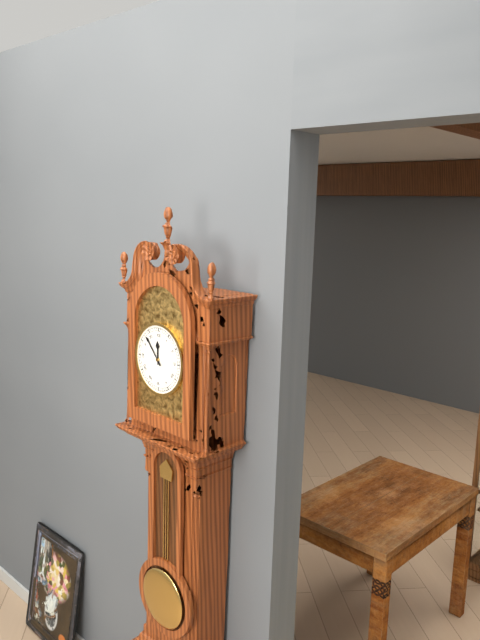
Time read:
**11:53**
